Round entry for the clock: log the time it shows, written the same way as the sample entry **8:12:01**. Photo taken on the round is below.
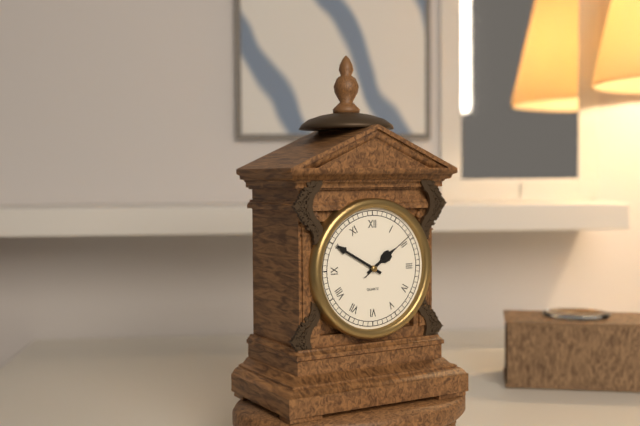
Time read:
**1:50:09**
